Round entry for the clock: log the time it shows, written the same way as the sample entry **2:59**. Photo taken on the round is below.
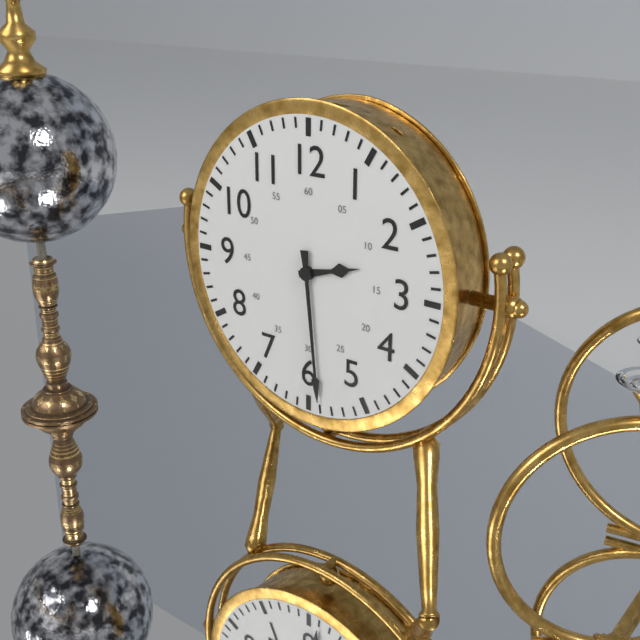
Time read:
**2:29**
